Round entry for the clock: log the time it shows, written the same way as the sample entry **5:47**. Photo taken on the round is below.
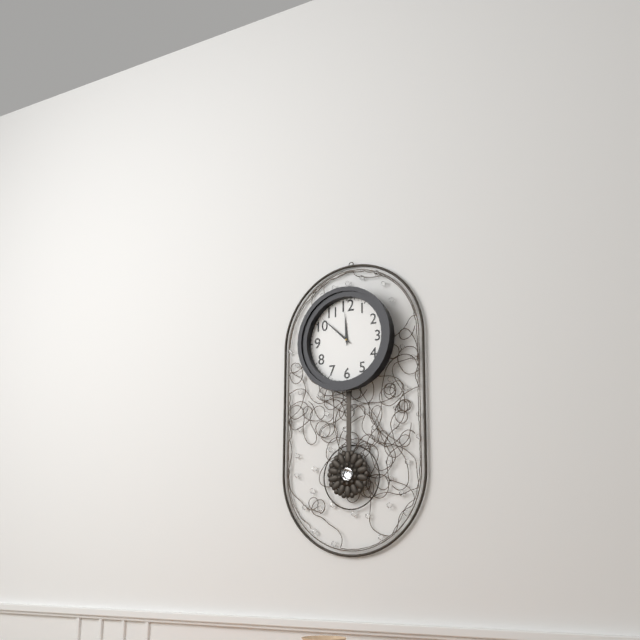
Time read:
**11:52**
